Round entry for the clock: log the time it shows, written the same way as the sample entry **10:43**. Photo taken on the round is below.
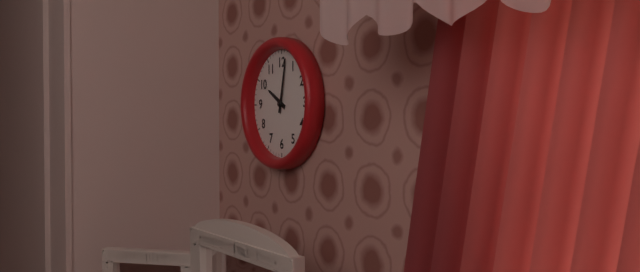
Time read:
**10:02**
